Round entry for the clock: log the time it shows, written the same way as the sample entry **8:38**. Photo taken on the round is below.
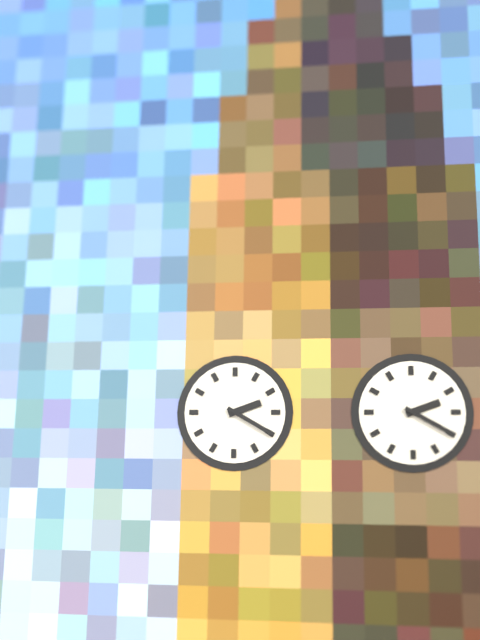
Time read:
**2:20**
